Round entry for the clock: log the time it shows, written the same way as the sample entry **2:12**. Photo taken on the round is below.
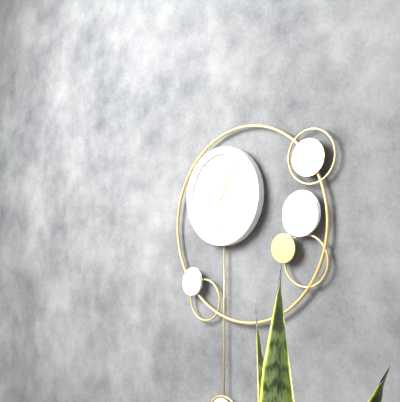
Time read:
**1:05**
